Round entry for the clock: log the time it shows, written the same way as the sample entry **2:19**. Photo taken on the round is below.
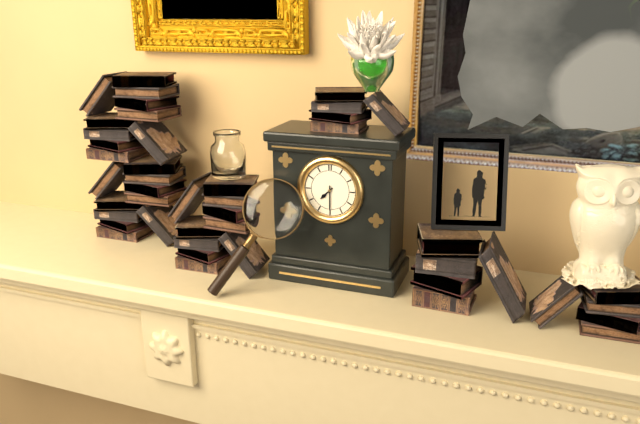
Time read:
**7:30**
